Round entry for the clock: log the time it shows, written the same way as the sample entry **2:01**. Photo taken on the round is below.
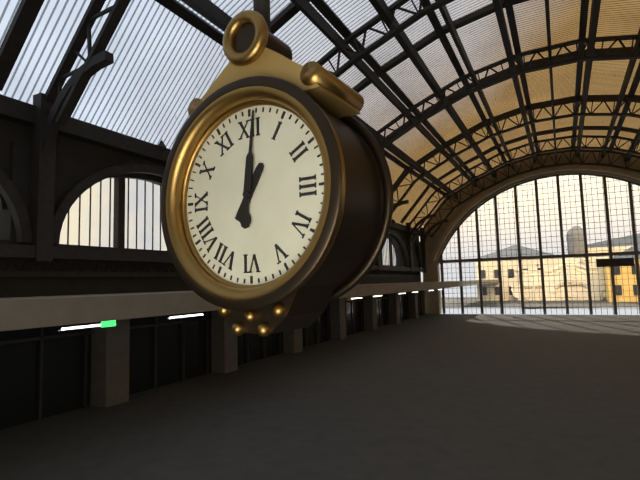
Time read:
**1:01**
